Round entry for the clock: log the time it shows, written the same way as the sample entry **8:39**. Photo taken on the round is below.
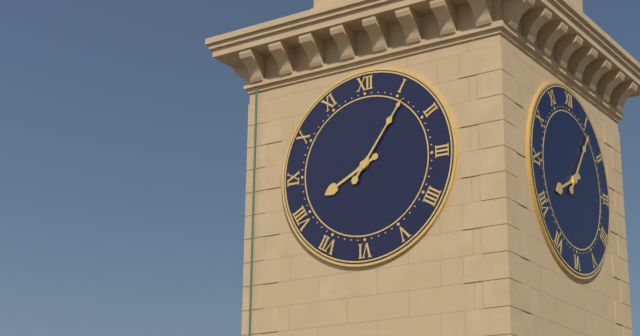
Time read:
**8:06**
